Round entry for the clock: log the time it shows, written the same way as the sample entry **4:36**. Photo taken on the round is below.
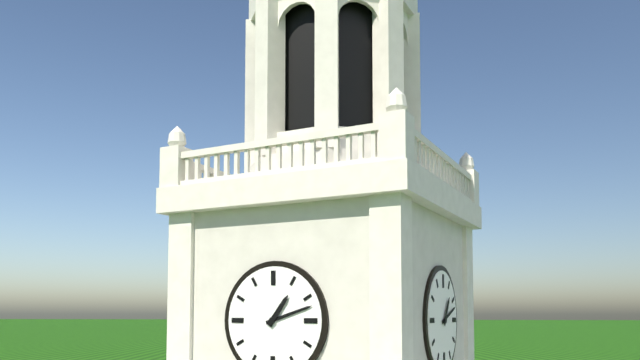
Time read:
**1:12**
